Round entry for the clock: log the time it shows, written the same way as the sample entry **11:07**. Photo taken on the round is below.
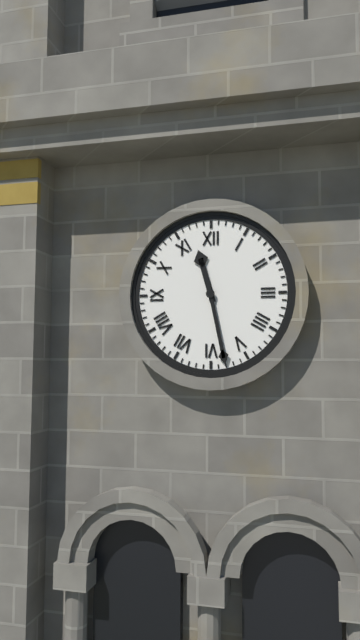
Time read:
**11:28**
